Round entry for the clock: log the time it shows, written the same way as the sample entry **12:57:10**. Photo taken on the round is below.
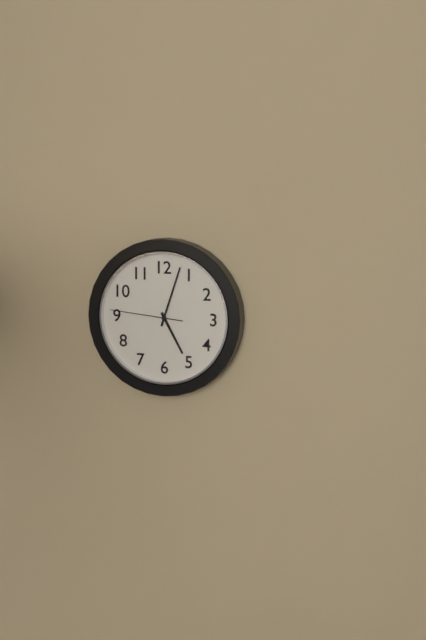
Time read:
**5:03:46**
